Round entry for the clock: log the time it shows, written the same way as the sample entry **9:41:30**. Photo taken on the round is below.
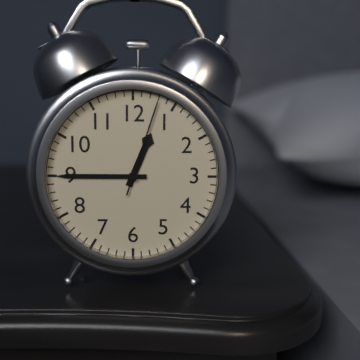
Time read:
**12:45:03**
